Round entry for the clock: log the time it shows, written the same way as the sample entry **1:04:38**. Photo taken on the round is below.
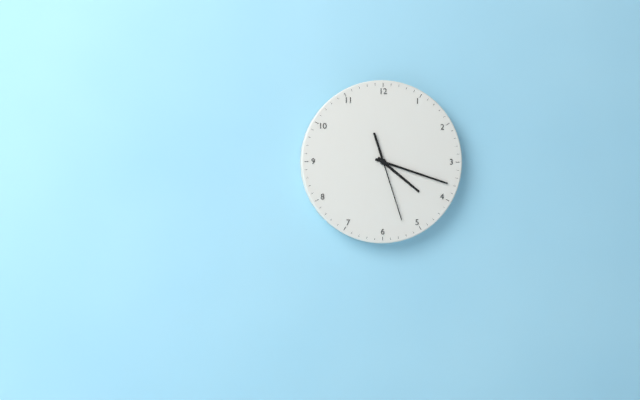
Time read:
**4:18:27**
